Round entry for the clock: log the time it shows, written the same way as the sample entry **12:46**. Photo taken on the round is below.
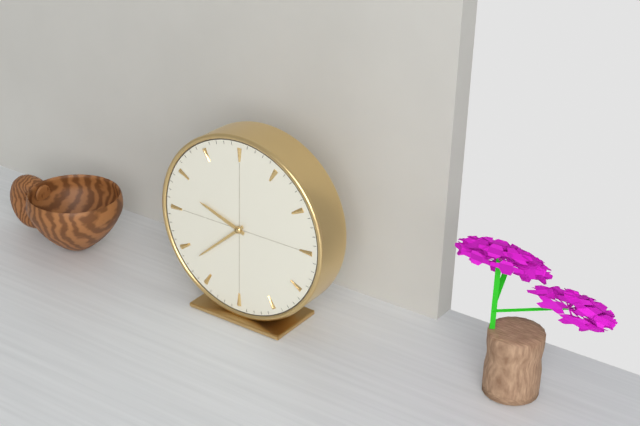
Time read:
**9:38**
